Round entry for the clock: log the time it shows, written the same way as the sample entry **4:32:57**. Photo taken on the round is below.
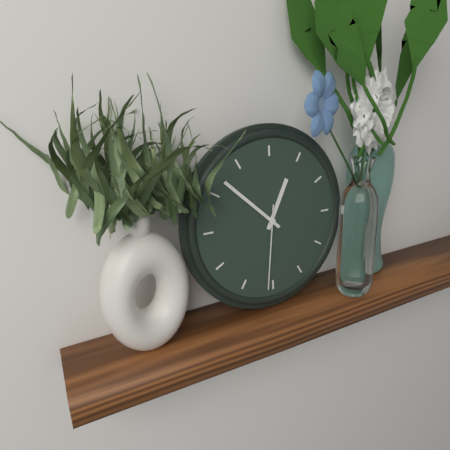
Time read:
**12:52:31**
